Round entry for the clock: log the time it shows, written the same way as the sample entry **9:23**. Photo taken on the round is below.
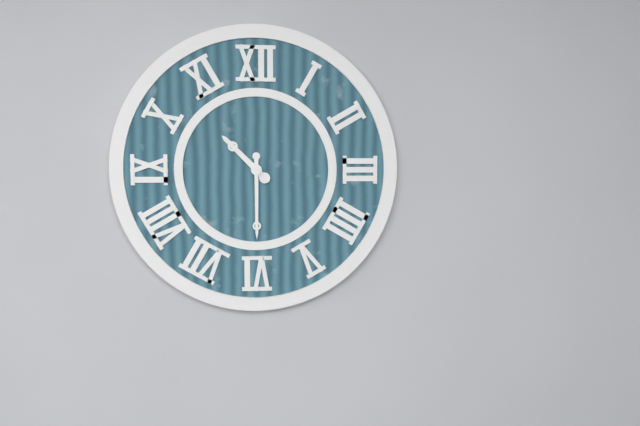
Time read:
**10:30**
